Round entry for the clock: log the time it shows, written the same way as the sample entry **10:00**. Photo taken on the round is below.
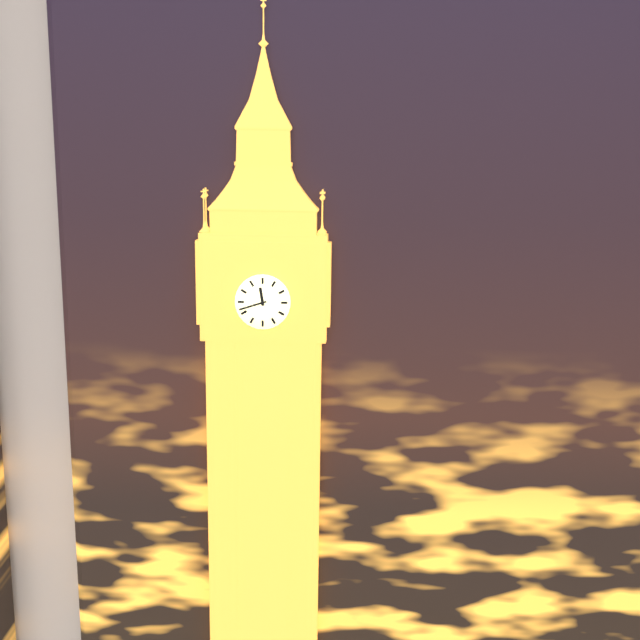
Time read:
**11:42**
